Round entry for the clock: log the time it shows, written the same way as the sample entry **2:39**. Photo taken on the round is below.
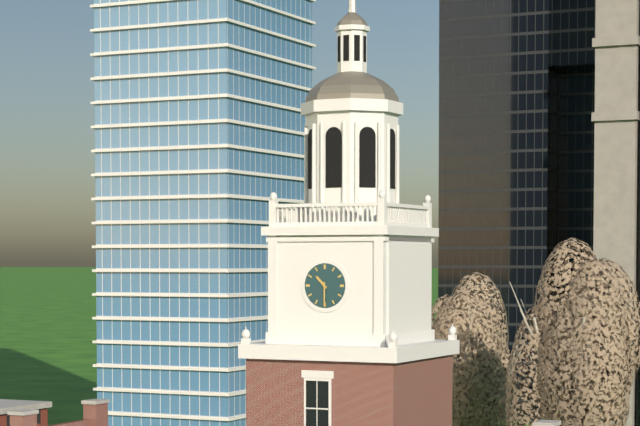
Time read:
**10:30**
